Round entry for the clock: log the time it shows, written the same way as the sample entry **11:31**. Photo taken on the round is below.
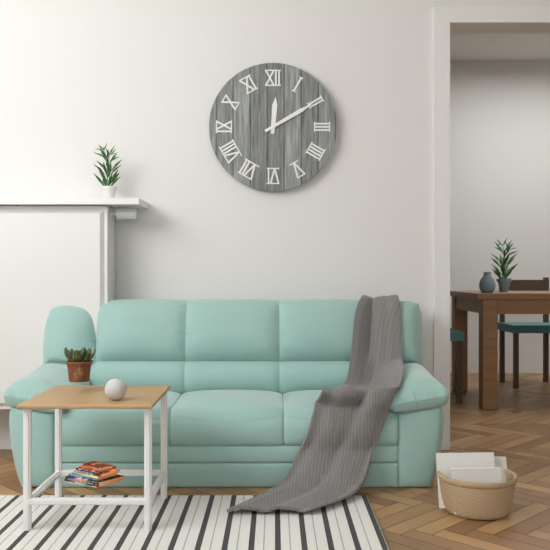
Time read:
**12:10**
